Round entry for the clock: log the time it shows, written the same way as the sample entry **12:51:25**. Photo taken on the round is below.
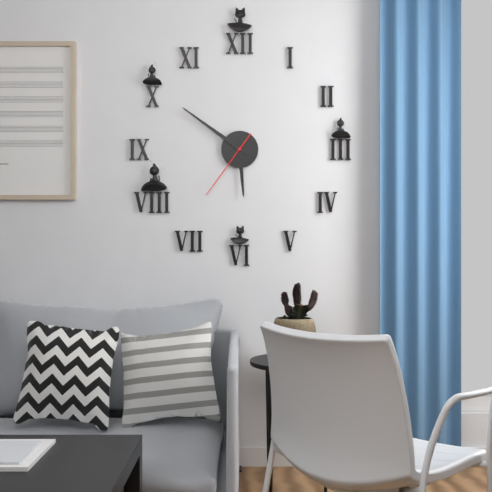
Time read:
**5:51:36**
